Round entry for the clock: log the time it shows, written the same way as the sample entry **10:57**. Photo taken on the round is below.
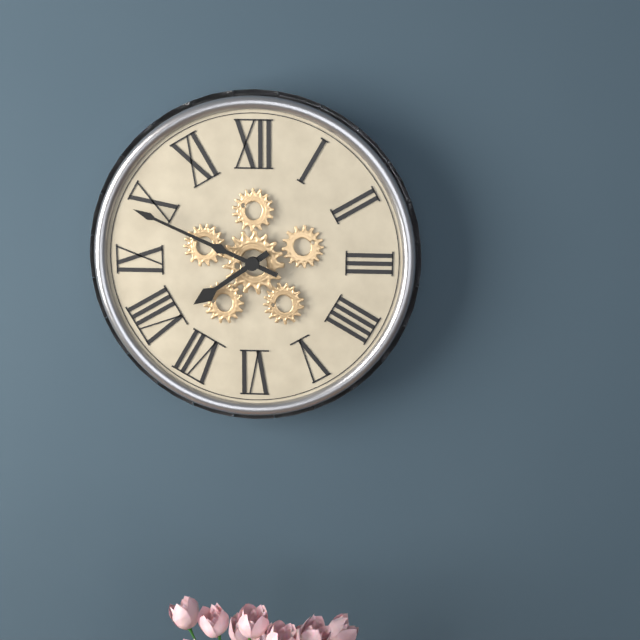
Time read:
**7:49**
